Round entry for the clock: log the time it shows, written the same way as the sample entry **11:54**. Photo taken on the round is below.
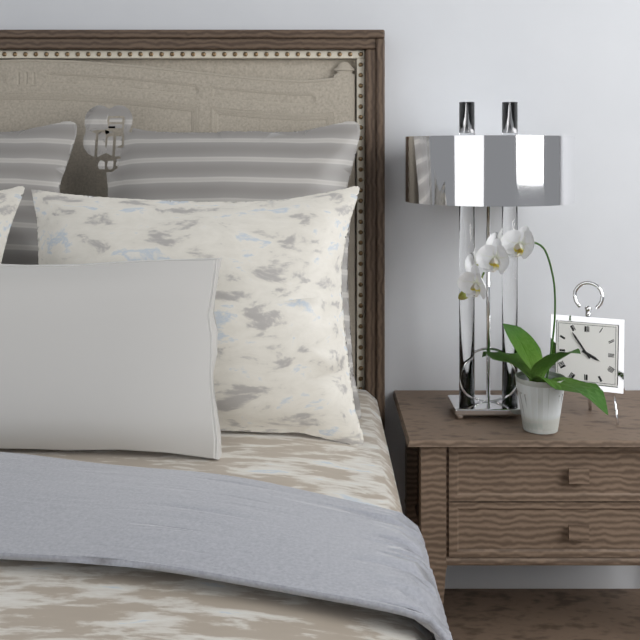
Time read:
**3:54**
